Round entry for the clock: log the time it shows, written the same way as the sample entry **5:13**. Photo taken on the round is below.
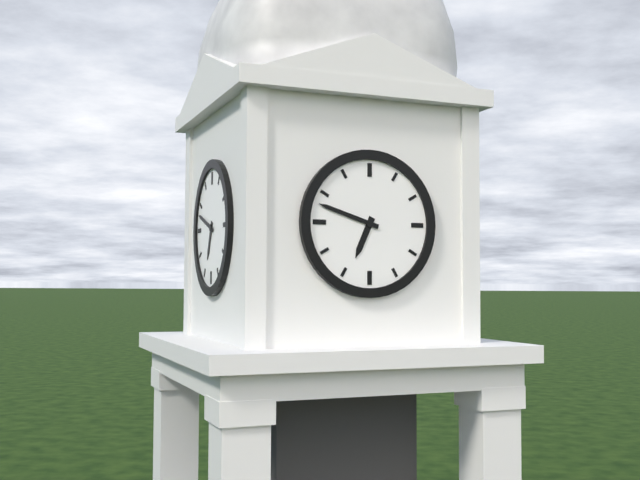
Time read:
**6:48**
